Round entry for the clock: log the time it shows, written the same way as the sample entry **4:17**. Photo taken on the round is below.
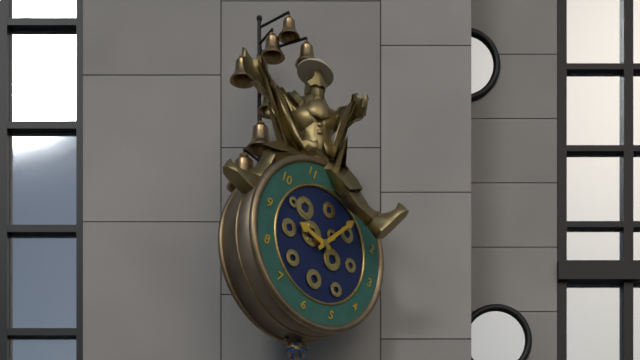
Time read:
**9:05**
